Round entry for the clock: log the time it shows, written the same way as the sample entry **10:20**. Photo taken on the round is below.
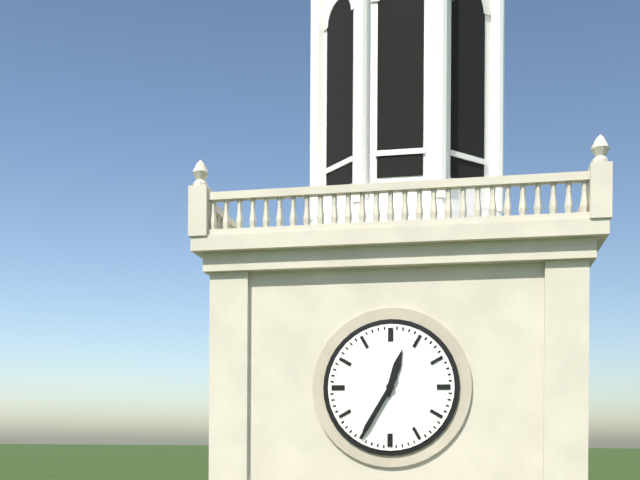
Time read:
**12:35**
